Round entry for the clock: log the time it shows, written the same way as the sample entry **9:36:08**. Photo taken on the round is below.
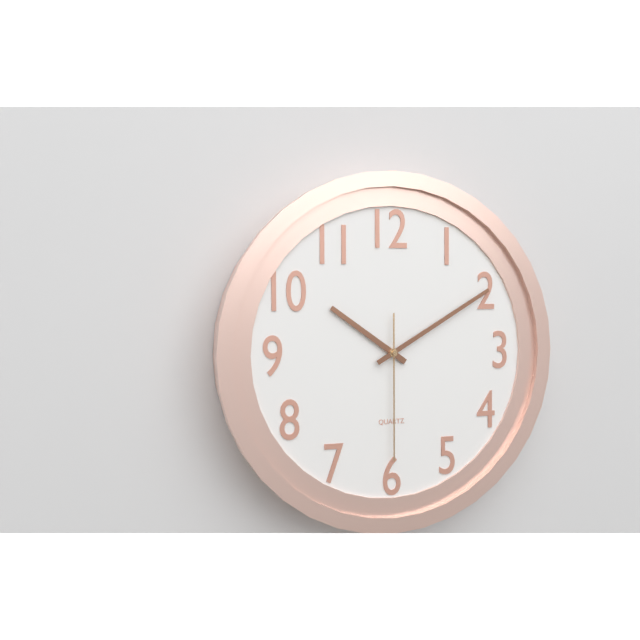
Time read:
**10:10:30**
